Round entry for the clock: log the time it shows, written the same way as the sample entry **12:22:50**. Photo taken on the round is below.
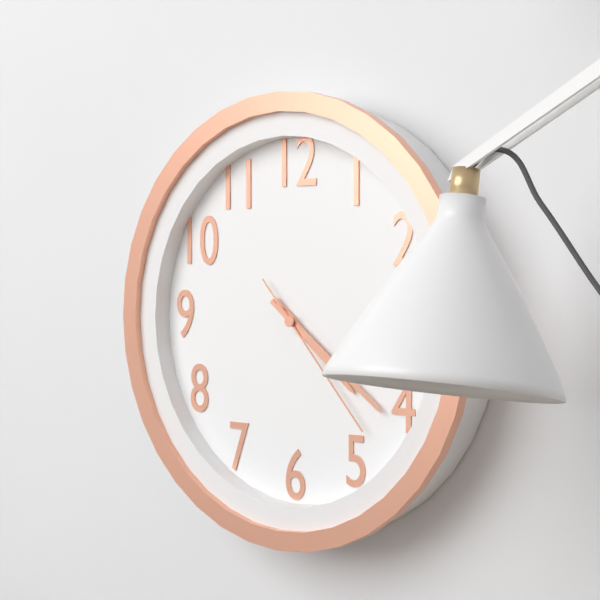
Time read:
**4:21:23**
